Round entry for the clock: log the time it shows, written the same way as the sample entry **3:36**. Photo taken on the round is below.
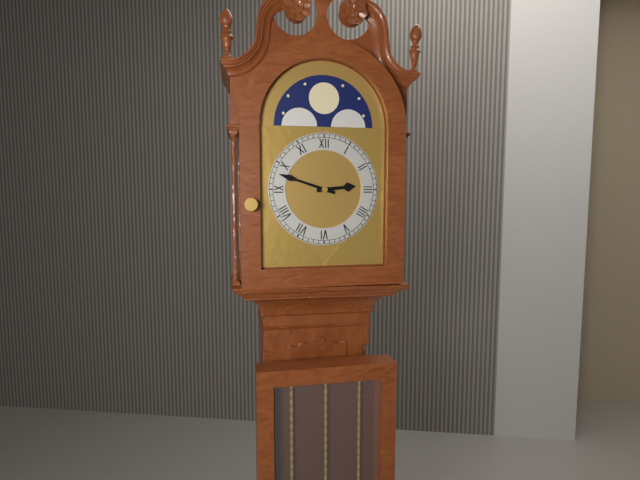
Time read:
**2:48**
